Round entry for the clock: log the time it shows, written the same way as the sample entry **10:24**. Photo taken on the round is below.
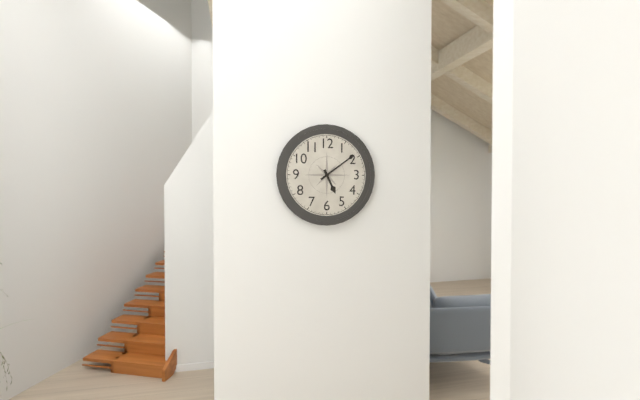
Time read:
**5:09**
